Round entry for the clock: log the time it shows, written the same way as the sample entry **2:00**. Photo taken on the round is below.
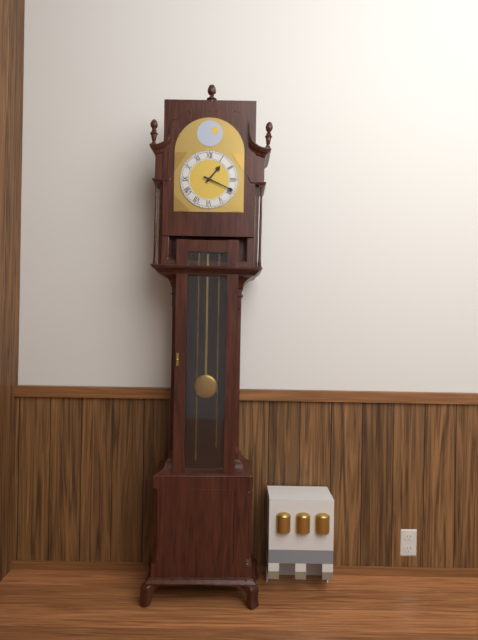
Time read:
**1:19**
